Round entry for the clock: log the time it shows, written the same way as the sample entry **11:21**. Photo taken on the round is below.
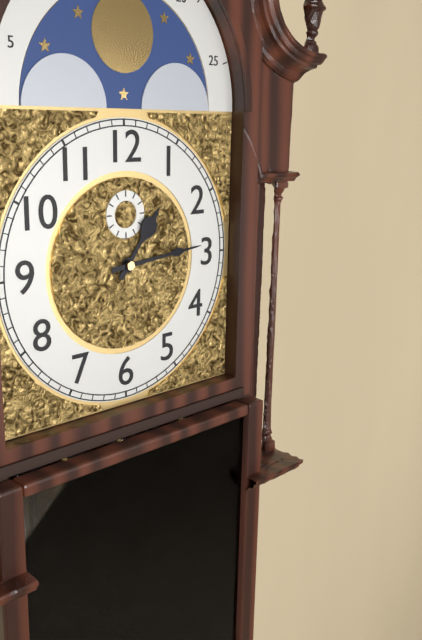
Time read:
**1:14**
